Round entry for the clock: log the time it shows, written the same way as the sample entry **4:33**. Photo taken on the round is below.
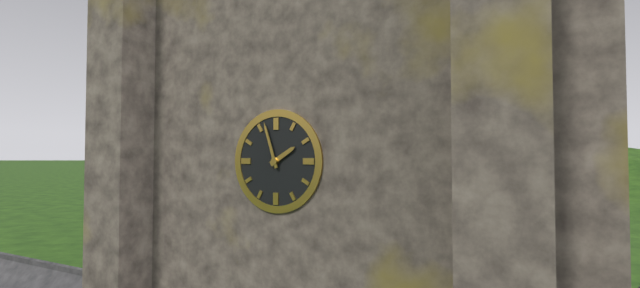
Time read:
**1:57**
